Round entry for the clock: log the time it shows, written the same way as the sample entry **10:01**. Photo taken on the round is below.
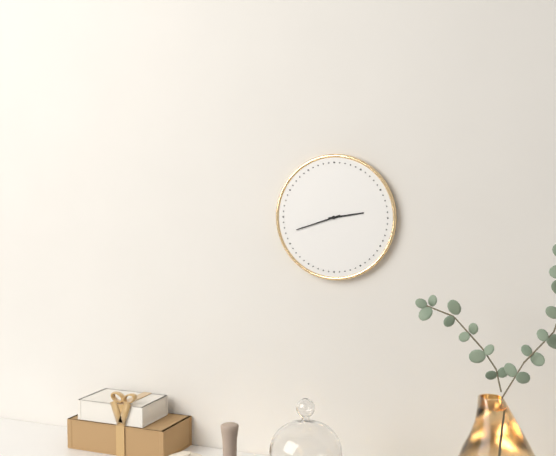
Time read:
**2:42**
